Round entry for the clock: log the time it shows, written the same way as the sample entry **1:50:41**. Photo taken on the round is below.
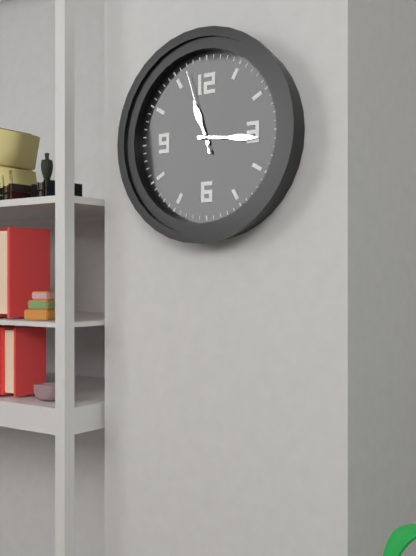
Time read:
**11:16:57**
